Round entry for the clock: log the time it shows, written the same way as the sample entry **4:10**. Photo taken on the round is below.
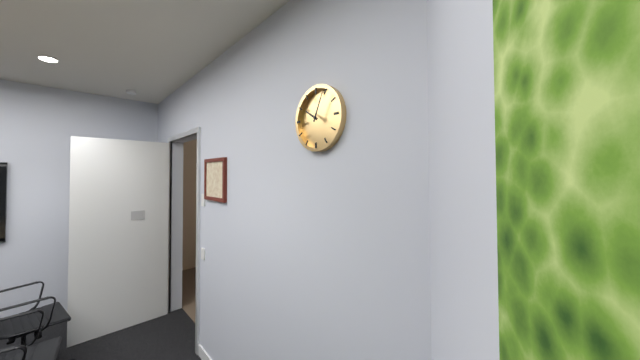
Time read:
**10:04**
